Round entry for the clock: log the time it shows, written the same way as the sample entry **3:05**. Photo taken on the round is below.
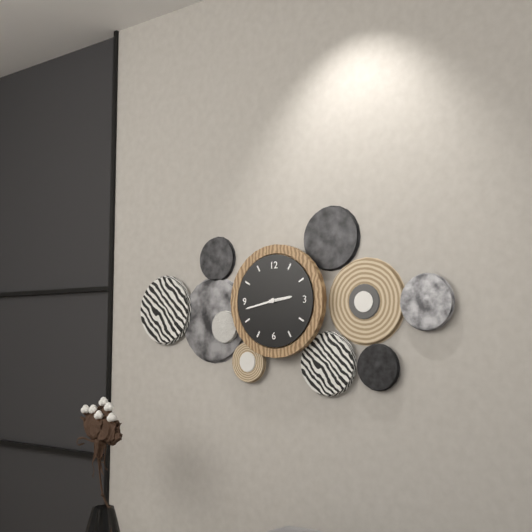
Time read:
**2:43**
